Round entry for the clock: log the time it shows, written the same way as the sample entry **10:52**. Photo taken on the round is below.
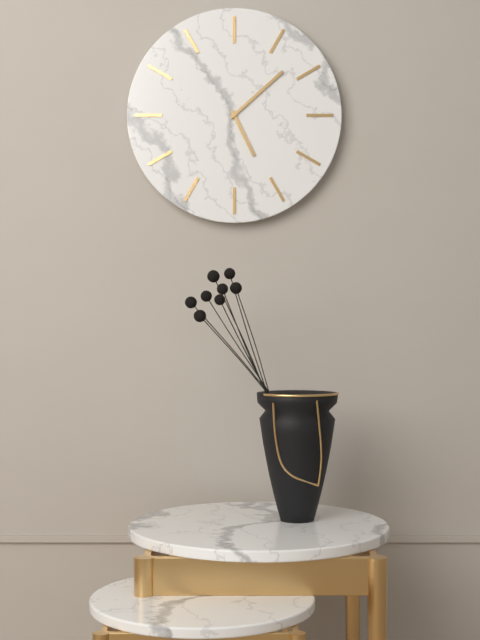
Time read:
**5:08**
